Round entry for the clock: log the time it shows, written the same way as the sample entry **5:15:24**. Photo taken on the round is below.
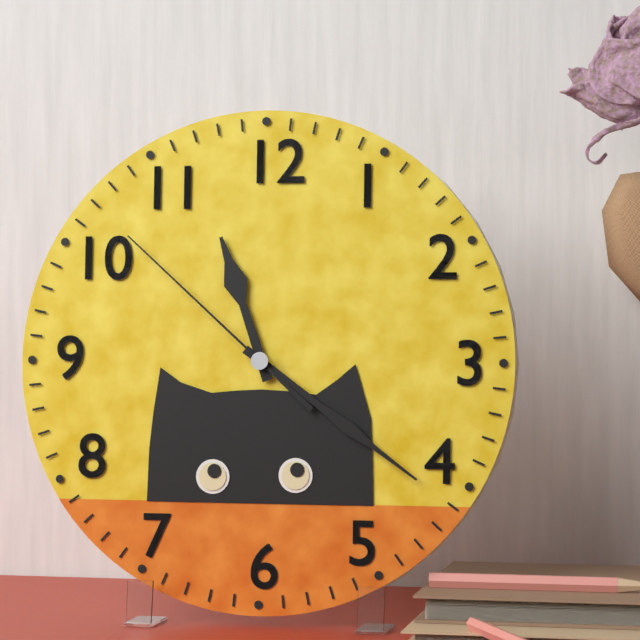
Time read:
**11:21:52**
